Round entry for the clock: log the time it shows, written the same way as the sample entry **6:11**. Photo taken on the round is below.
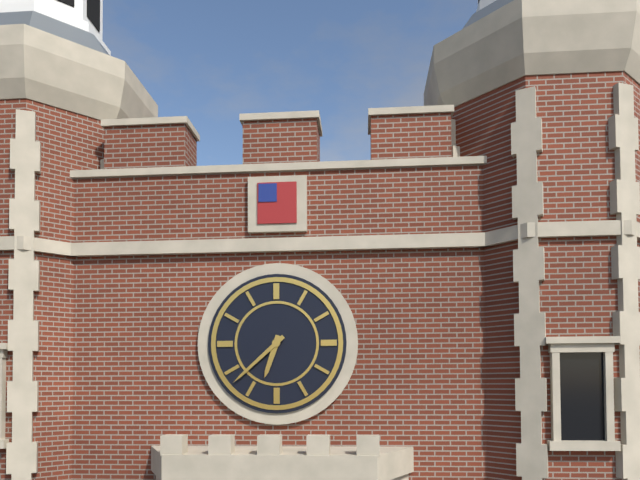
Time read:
**6:38**
